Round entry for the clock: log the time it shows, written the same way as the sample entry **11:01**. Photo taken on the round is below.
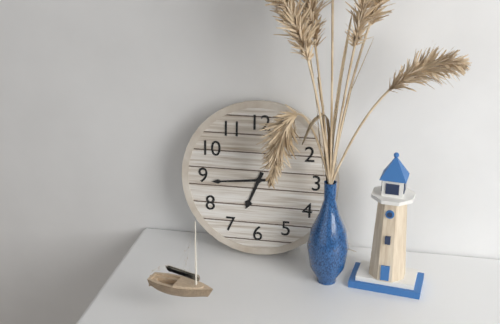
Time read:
**6:44**
